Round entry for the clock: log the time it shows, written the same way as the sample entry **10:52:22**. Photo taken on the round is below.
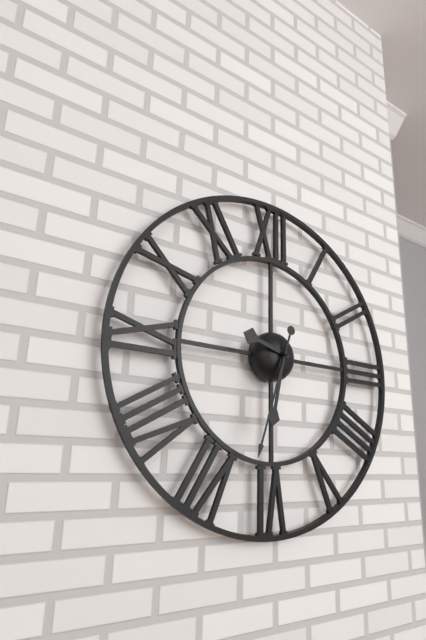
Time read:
**9:32:33**
